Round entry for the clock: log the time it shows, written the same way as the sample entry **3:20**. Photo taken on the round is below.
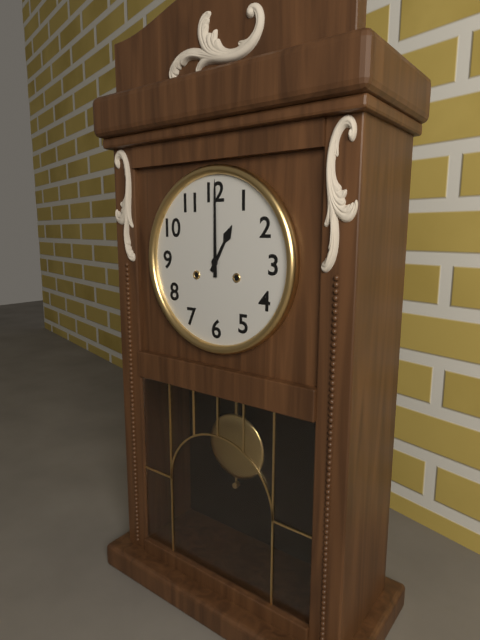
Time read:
**1:00**
